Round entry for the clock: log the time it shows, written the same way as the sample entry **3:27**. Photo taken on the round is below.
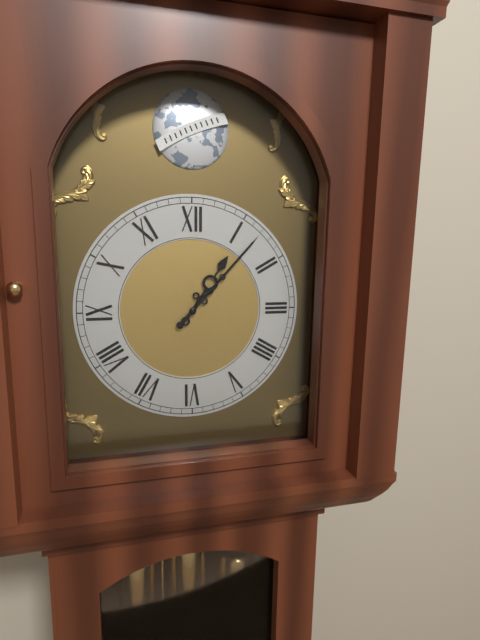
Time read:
**1:07**
